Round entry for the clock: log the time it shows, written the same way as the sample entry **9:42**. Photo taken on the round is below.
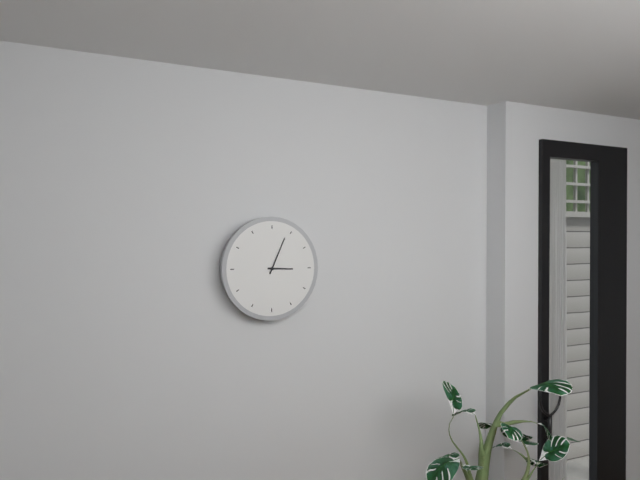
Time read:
**3:04**
